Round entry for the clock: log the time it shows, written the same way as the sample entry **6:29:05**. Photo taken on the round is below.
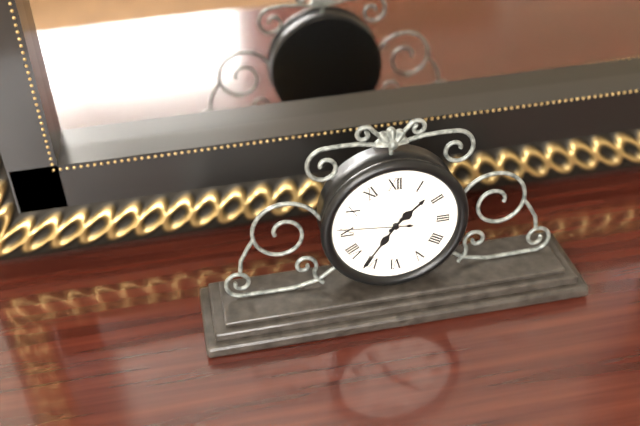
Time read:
**1:36:46**
